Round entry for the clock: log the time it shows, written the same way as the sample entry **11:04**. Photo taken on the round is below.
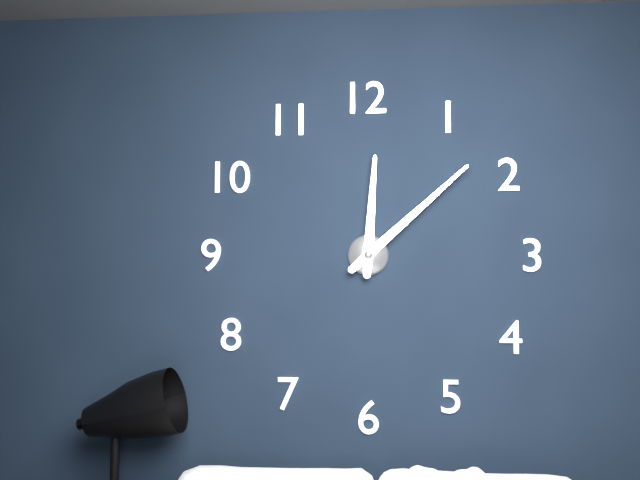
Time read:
**12:08**
